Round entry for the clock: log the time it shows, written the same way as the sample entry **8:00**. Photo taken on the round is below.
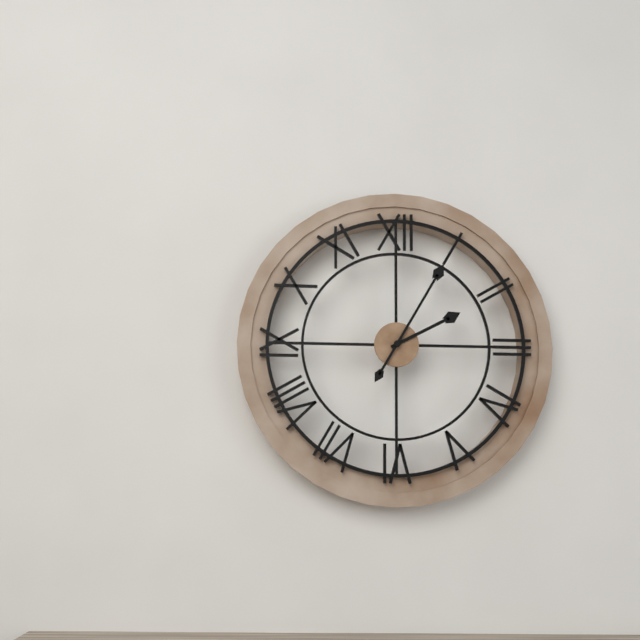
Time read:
**2:05**
